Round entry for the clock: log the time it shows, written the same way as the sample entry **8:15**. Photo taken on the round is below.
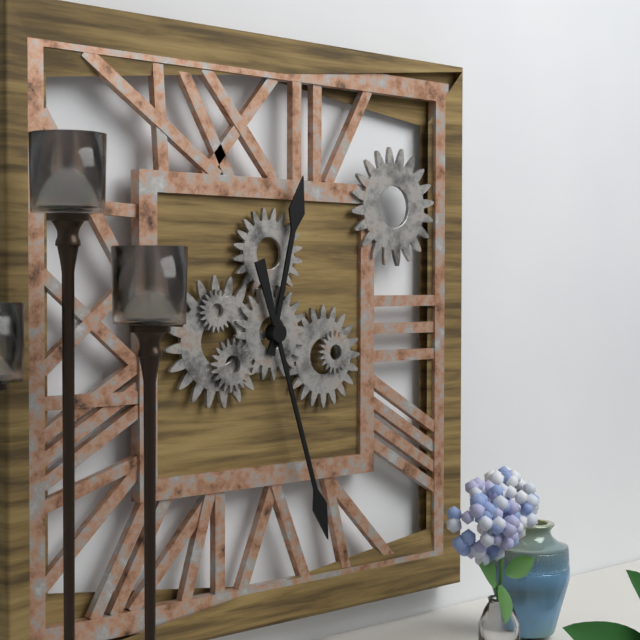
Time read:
**12:27**
